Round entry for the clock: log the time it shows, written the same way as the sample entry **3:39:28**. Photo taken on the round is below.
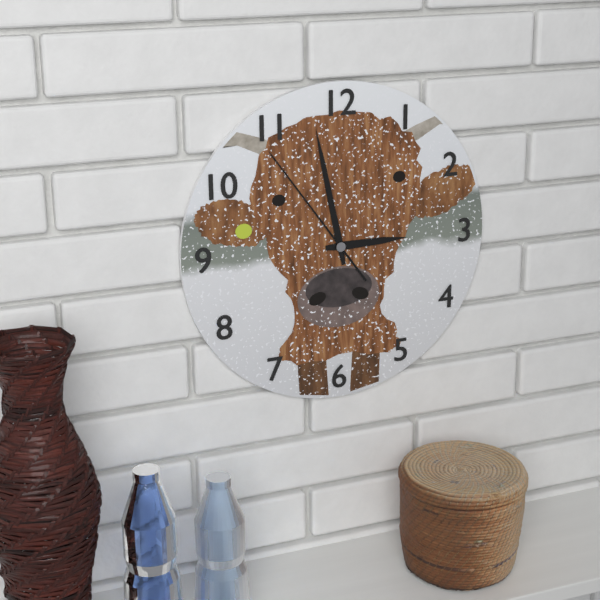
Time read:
**2:58:54**
